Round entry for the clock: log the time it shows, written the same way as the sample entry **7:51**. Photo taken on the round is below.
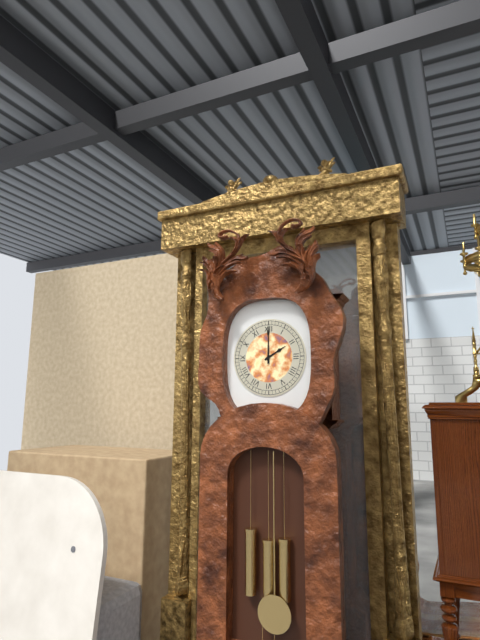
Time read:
**2:00**
